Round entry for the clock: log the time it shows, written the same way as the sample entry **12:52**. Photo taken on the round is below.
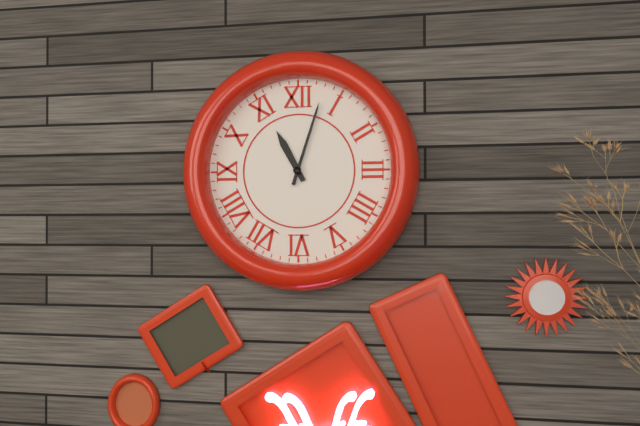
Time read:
**11:03**
